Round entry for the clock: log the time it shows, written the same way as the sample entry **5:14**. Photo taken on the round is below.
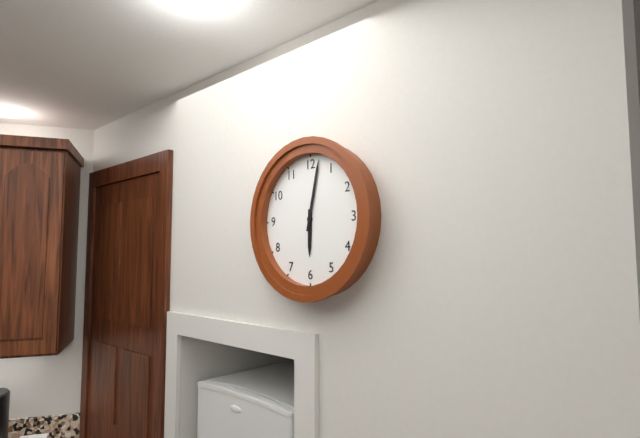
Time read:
**6:02**
